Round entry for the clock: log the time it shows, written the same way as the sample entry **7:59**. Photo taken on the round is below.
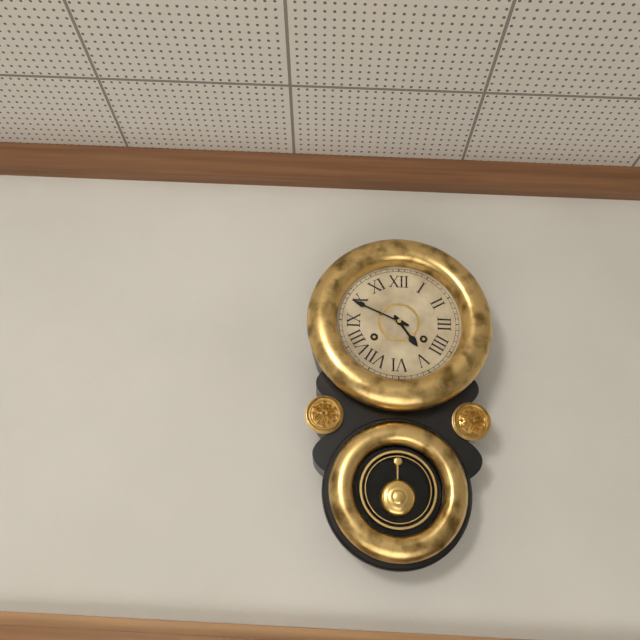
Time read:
**4:49**
